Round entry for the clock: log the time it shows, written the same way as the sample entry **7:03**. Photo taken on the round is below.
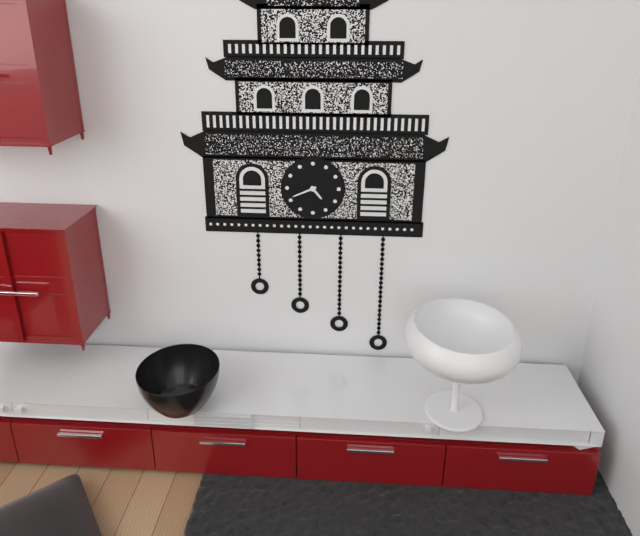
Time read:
**4:41**
